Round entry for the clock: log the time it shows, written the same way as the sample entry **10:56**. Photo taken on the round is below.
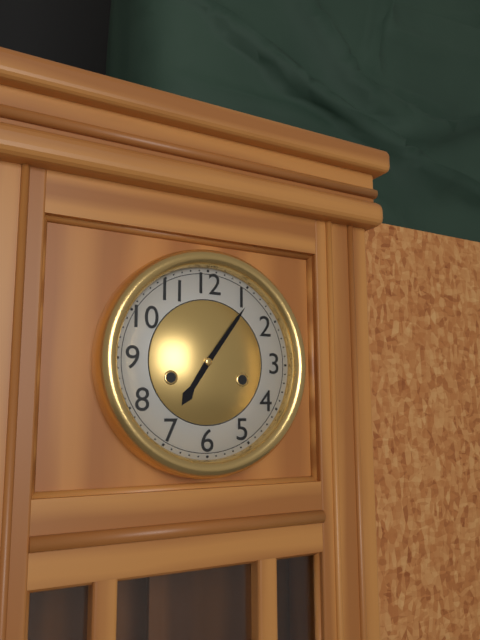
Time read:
**7:06**
